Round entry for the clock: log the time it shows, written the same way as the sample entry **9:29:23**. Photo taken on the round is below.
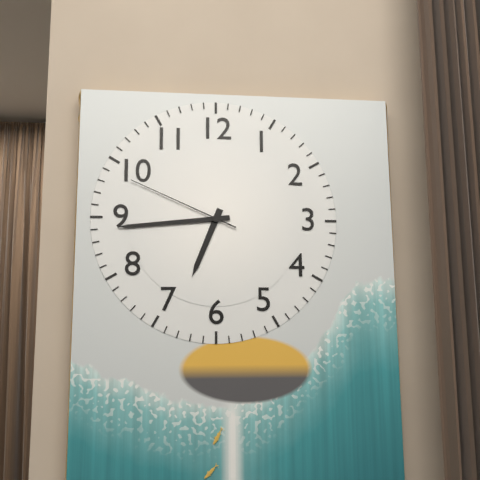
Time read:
**6:44:49**
